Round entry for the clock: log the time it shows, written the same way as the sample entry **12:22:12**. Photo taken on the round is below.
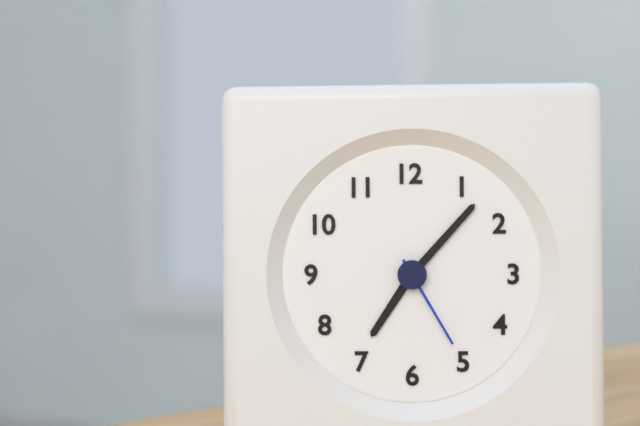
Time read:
**7:07:25**
